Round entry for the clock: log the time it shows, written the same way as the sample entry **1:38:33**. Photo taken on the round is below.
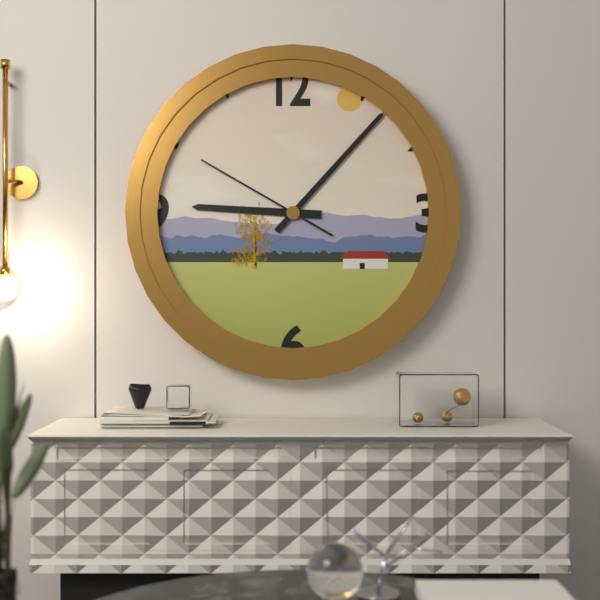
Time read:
**9:07:50**
